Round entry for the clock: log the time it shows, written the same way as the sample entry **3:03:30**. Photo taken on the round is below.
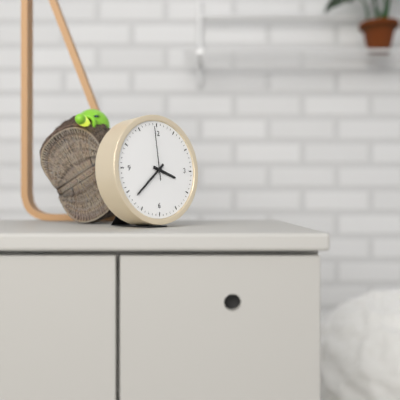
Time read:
**3:38:59**
